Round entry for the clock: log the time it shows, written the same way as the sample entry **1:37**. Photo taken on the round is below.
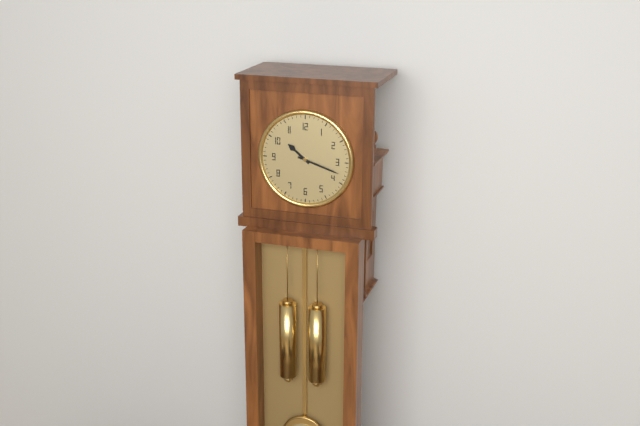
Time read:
**10:18**
